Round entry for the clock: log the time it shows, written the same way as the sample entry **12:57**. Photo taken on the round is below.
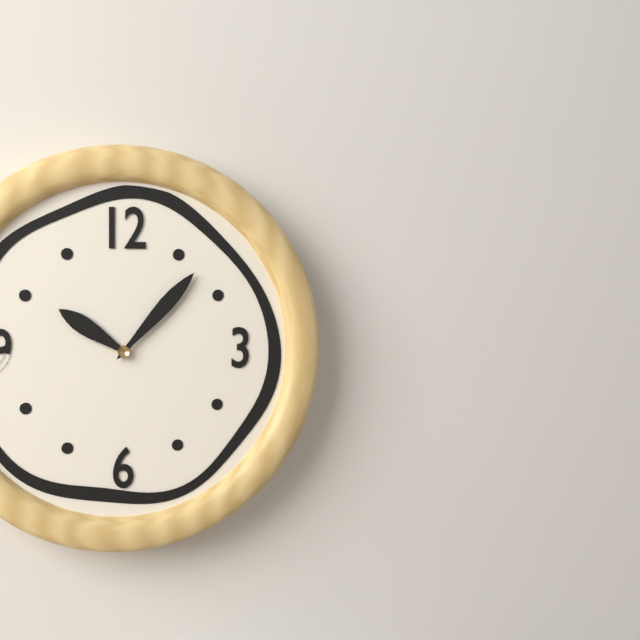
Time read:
**10:07**
